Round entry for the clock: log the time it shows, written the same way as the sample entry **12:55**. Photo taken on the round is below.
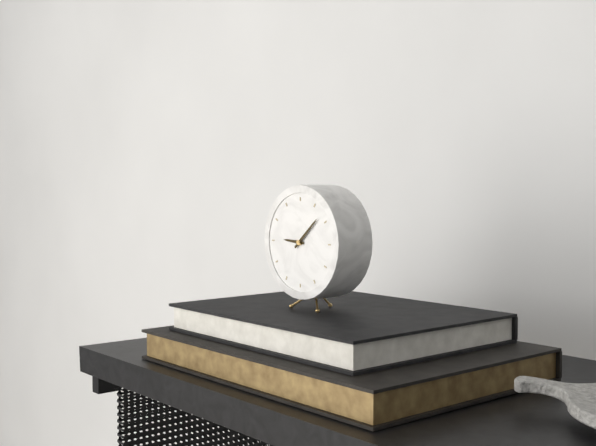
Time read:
**9:08**
